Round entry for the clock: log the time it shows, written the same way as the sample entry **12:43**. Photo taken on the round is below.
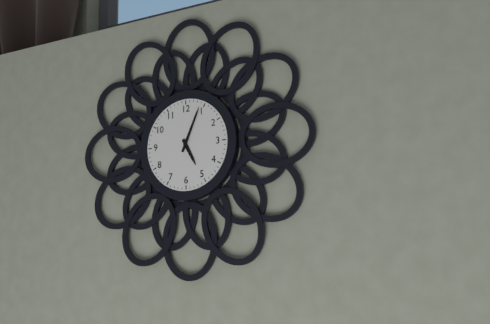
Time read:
**5:04**
